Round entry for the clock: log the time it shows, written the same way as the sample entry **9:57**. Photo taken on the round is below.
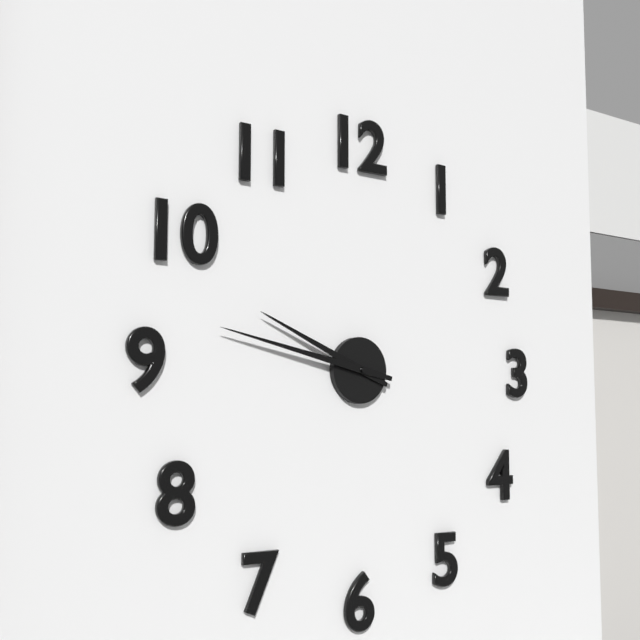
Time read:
**9:47**
